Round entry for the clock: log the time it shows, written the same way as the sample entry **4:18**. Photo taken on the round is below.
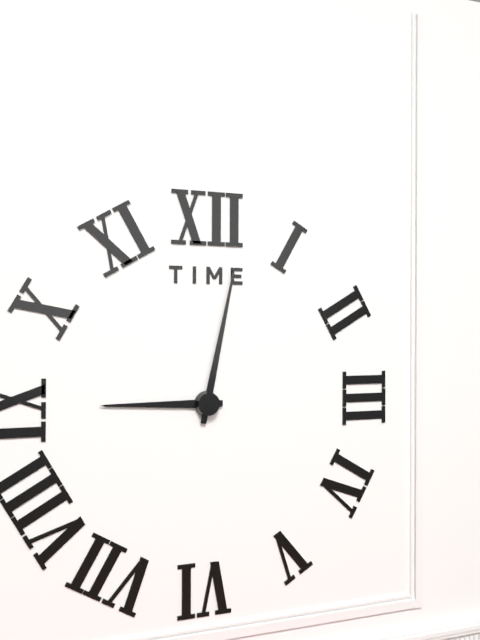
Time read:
**9:02**
